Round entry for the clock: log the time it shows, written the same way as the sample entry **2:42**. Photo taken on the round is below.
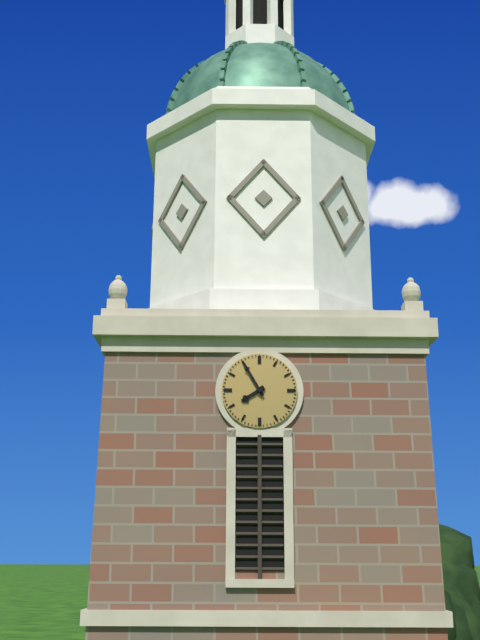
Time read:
**7:55**
